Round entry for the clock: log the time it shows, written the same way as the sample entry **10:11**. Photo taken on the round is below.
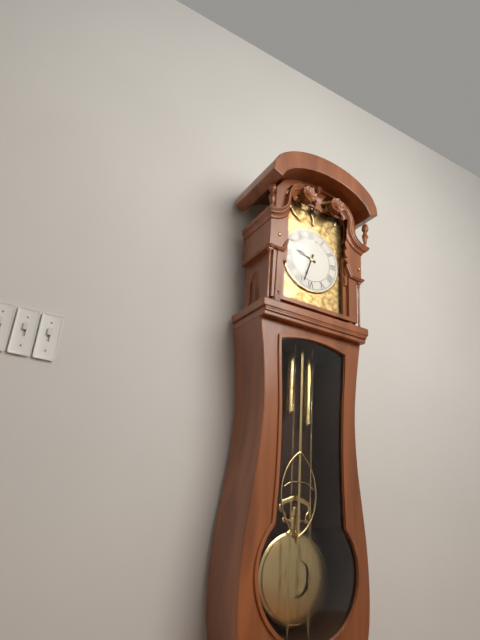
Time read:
**9:33**
